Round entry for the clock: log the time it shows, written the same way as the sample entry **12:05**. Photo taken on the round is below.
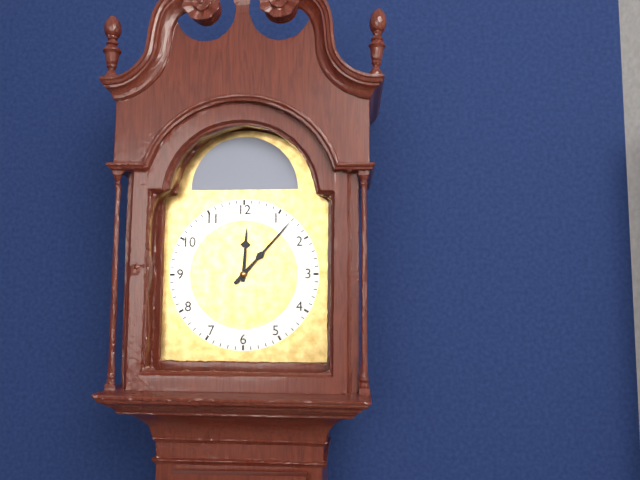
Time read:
**12:07**
